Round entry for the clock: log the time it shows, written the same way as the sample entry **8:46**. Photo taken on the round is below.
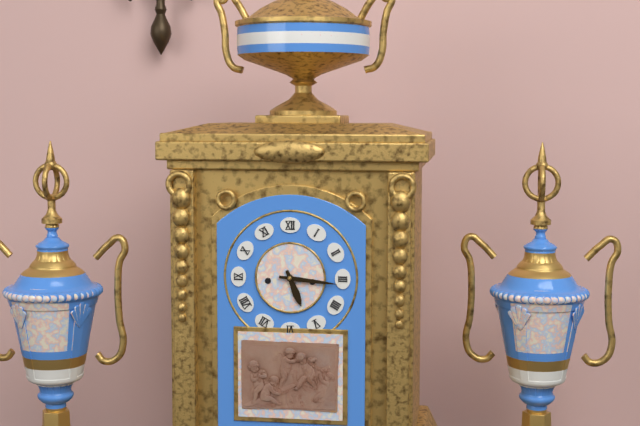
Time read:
**5:16**
